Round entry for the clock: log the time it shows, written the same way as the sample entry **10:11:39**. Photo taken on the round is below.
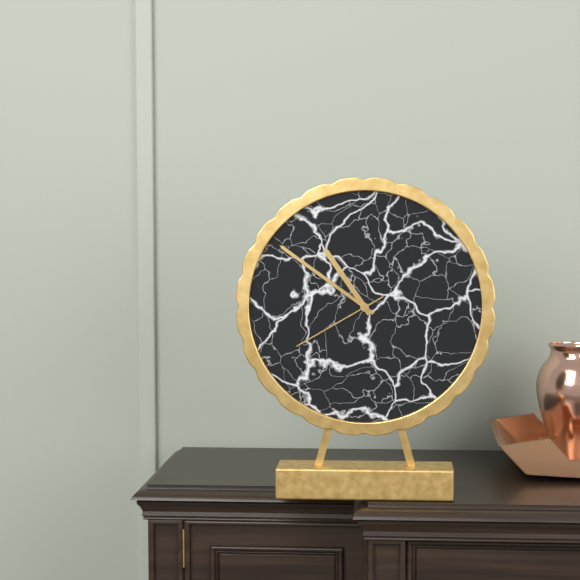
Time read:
**10:51:40**
